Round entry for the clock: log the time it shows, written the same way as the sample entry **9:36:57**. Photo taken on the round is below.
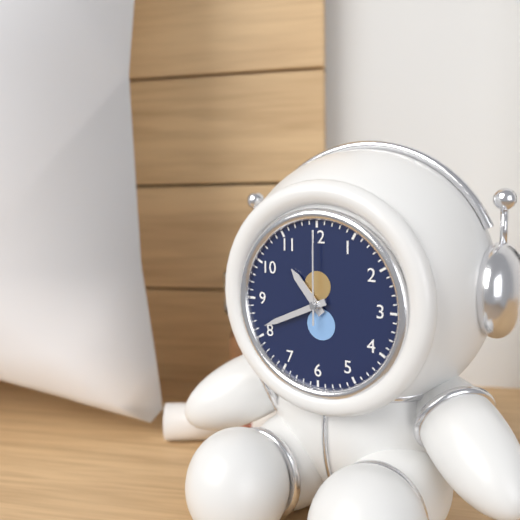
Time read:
**10:41:00**
